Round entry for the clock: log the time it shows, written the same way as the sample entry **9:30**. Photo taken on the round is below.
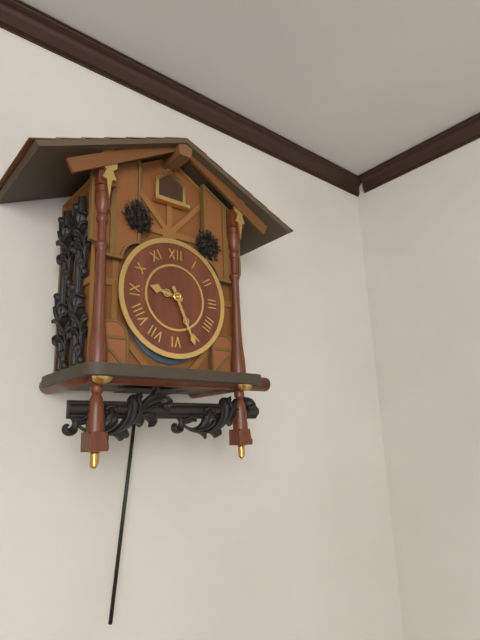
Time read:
**9:26**
